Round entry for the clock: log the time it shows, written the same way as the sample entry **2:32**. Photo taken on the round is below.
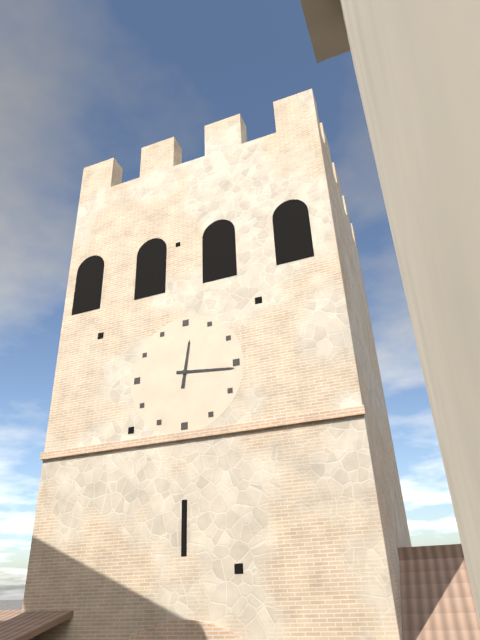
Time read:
**12:16**
